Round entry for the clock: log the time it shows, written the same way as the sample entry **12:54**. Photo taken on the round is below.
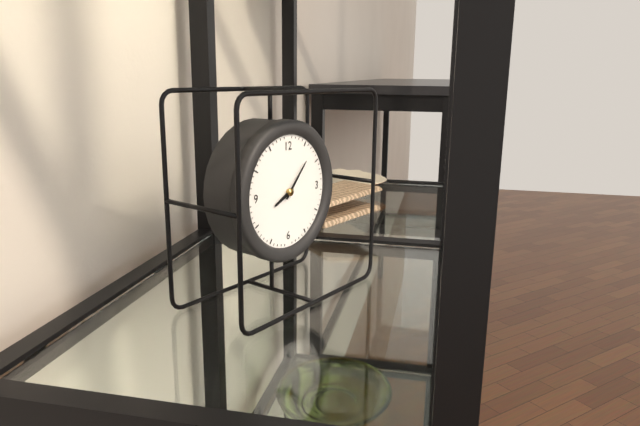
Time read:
**8:07**
